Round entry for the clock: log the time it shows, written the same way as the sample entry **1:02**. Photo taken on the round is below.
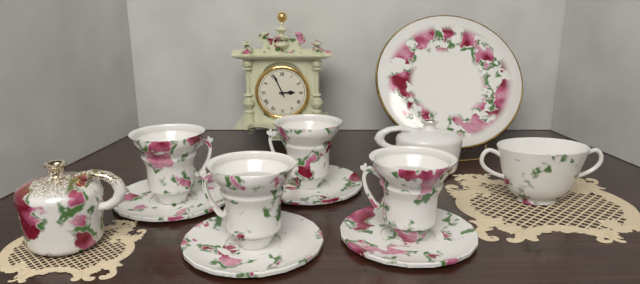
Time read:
**2:56**
